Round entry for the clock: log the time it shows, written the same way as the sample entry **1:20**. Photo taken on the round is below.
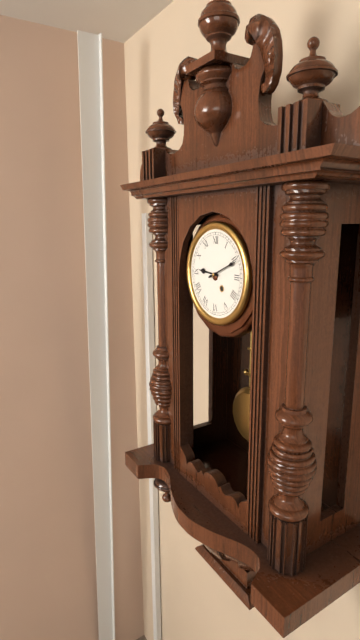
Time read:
**9:11**
